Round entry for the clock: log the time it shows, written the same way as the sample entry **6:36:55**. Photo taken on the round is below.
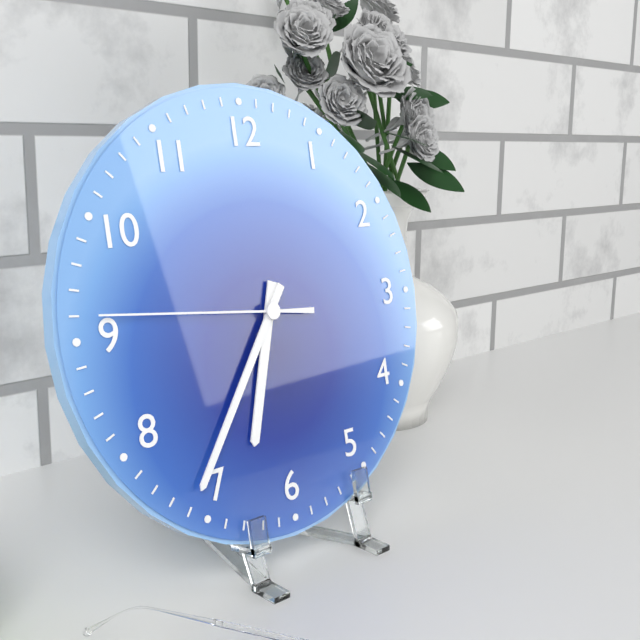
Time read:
**6:36:46**
